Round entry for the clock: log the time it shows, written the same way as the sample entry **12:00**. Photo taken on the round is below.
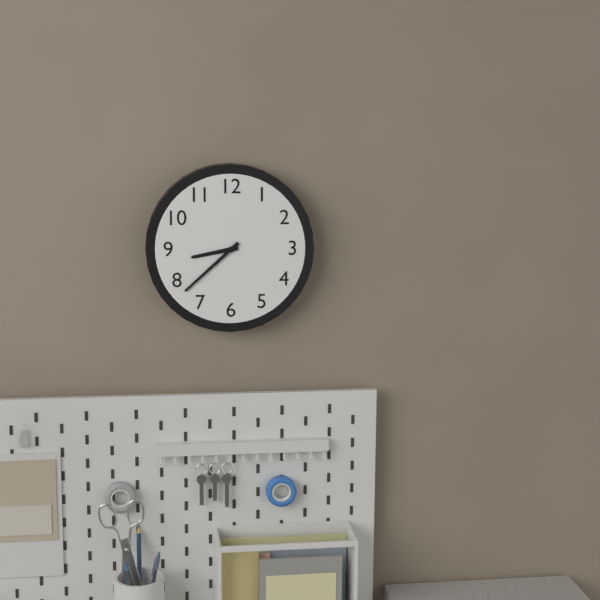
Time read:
**8:38**
